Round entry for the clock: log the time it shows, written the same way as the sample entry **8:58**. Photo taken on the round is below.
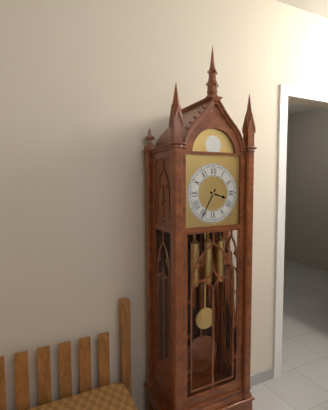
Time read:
**3:35**
